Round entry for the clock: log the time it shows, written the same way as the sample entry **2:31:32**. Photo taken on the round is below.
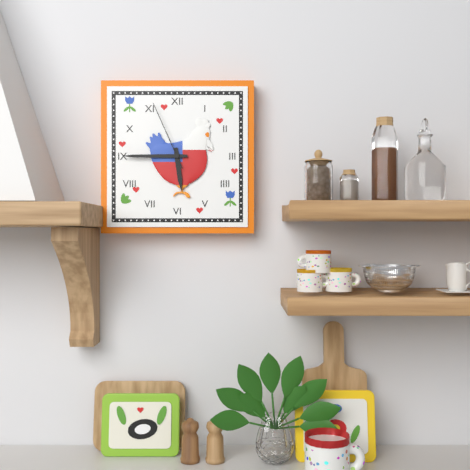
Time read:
**5:45:56**
